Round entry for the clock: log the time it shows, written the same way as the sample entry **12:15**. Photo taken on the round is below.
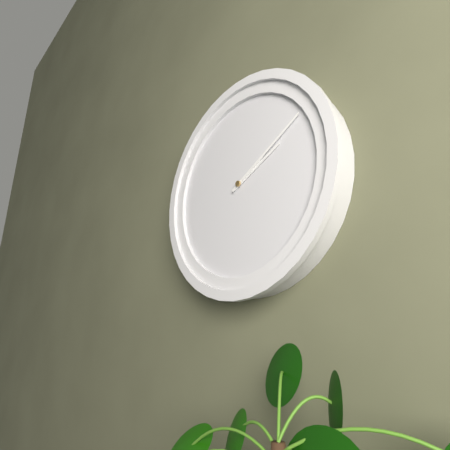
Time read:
**2:10**
